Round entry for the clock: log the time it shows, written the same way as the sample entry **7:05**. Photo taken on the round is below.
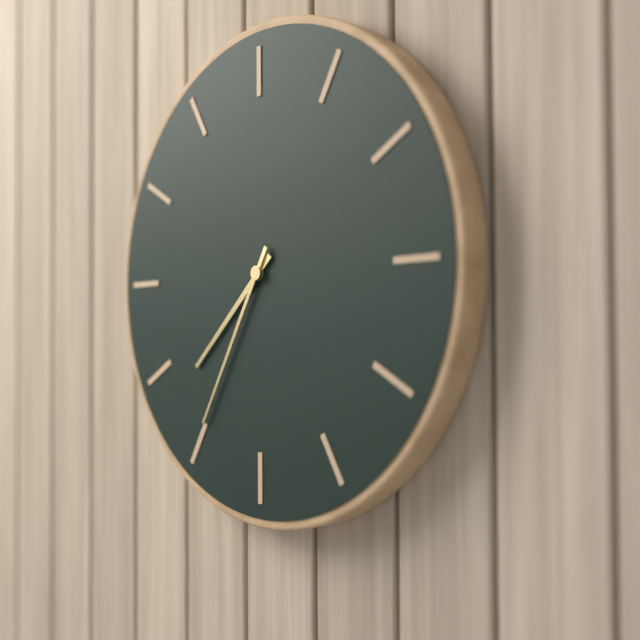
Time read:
**7:35**
